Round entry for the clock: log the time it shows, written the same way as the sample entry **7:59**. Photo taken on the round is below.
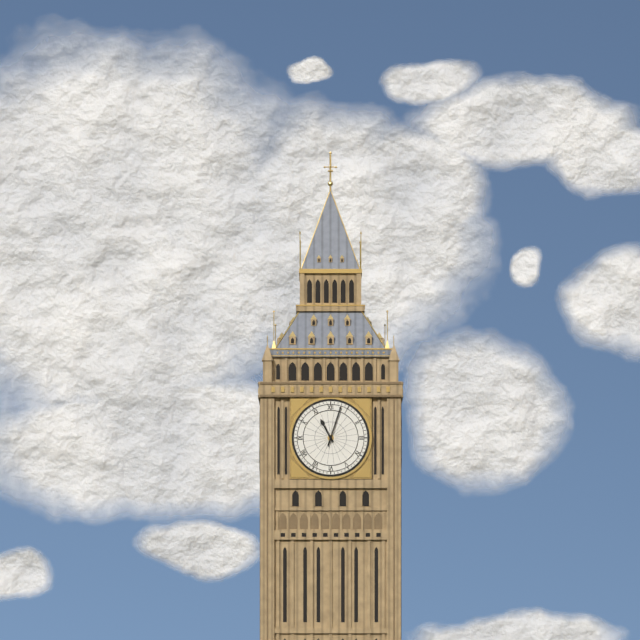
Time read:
**11:03**
